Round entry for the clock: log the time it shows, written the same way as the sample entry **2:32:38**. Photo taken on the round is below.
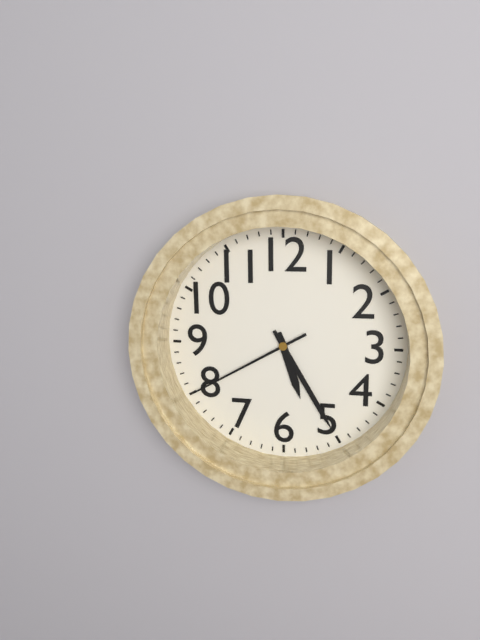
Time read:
**5:25:40**
